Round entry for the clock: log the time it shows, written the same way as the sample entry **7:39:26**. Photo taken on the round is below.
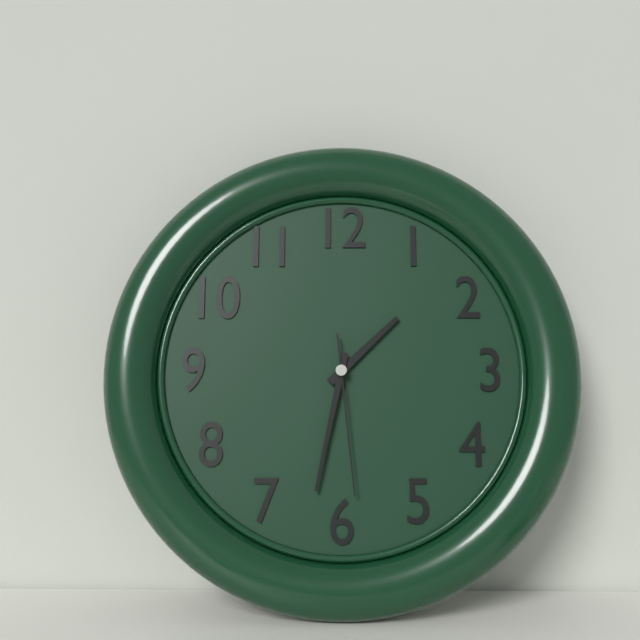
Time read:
**1:32:29**
